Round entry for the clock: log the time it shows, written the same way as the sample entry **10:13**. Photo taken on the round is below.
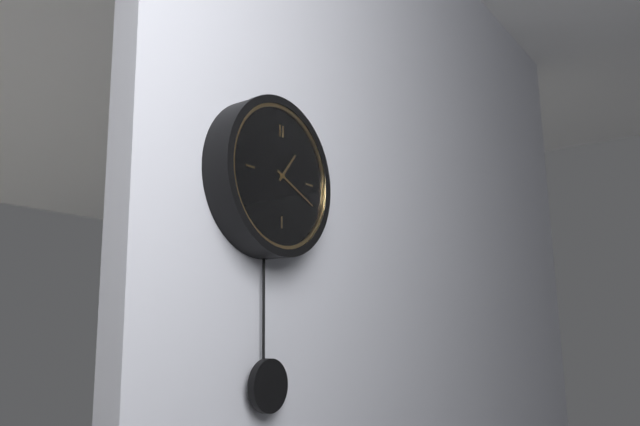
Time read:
**1:19**
